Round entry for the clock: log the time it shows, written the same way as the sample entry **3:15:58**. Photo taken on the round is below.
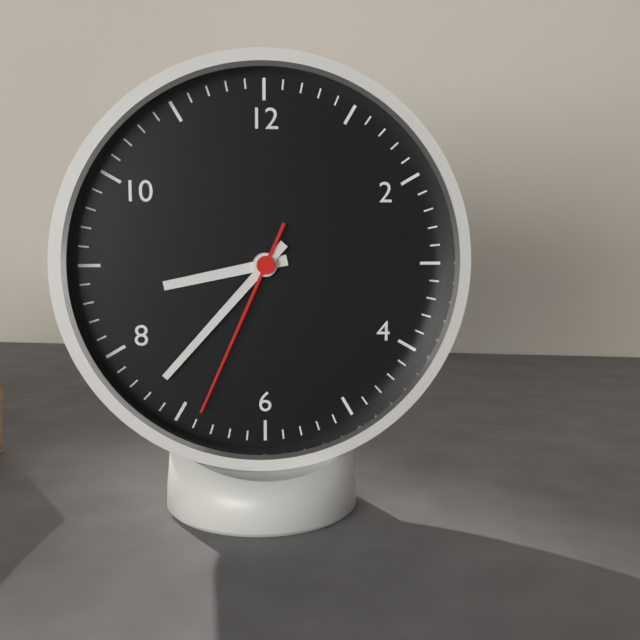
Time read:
**8:37:34**
